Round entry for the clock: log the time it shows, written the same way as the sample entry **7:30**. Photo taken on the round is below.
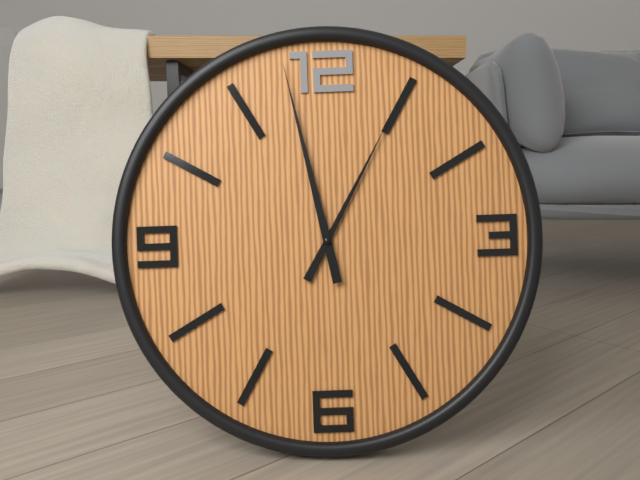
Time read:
**12:58**
